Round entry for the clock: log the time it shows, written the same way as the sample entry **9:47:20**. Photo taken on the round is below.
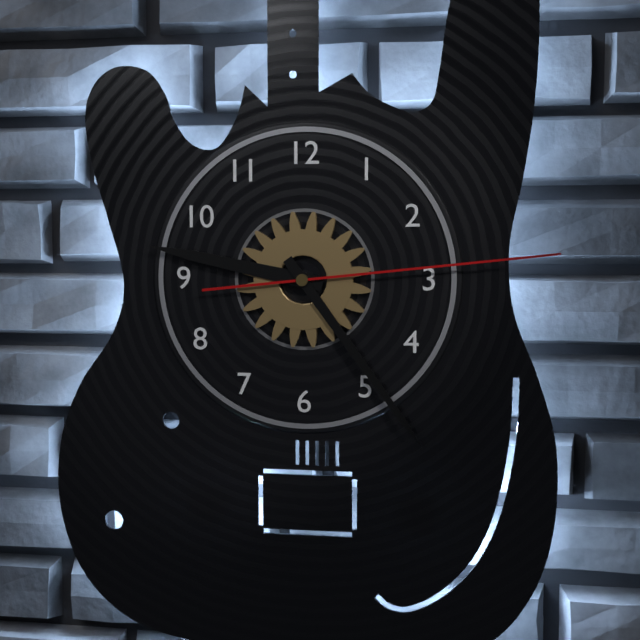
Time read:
**9:24:14**
